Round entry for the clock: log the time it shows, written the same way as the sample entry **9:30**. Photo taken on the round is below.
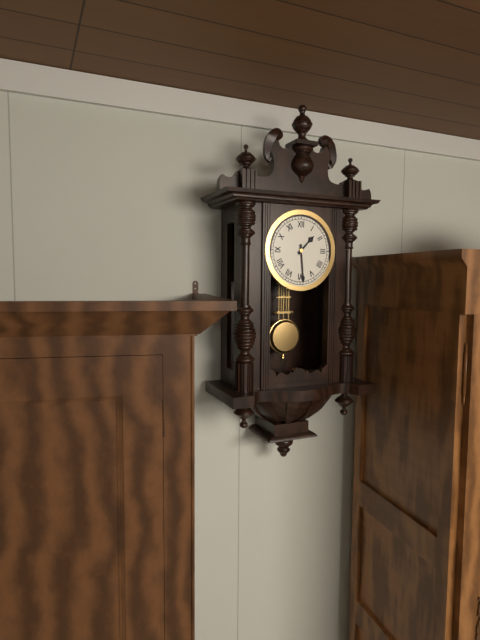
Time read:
**1:29**
